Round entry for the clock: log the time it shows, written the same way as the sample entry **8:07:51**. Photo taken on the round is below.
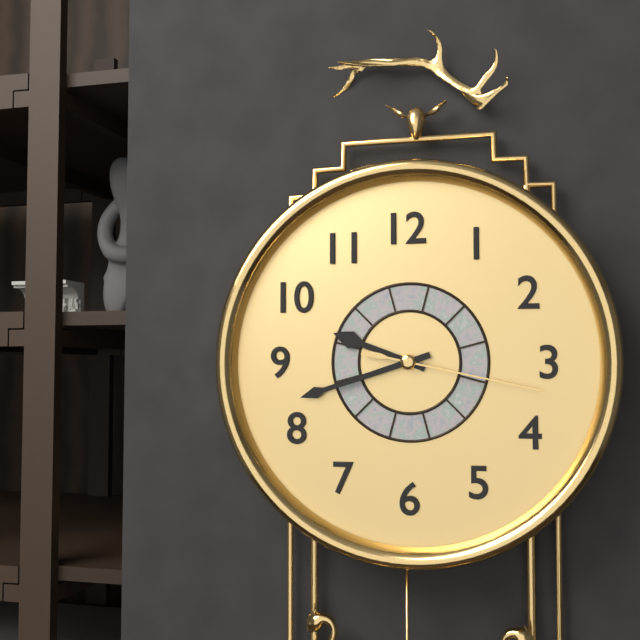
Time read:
**9:42:17**
